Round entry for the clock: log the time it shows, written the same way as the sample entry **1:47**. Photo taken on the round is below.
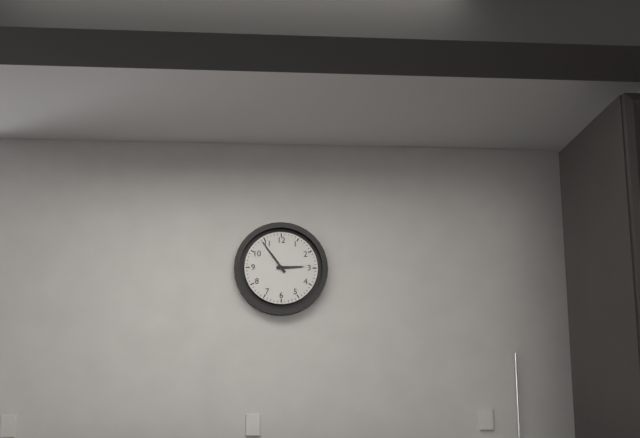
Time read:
**2:54**
